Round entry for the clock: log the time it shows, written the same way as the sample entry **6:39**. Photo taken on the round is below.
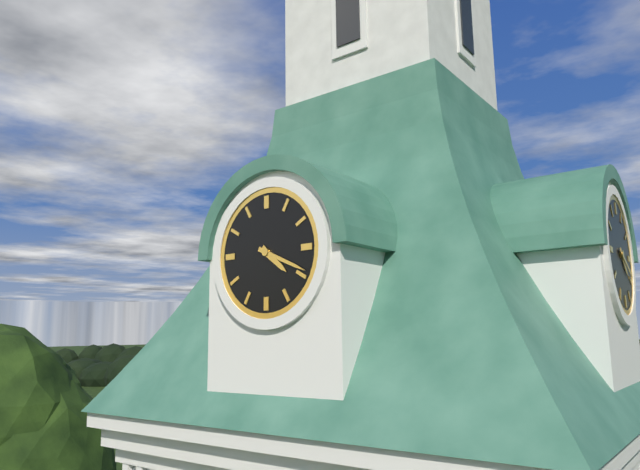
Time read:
**4:19**
